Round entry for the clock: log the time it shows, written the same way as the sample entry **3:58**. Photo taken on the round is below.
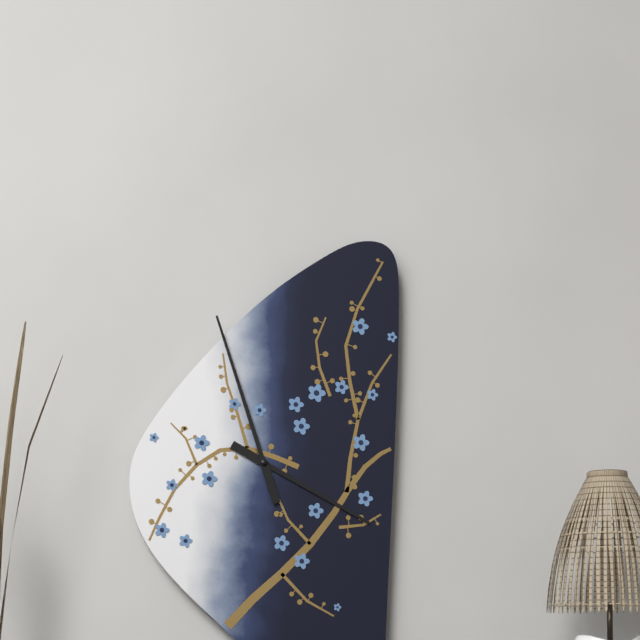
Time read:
**3:57**
